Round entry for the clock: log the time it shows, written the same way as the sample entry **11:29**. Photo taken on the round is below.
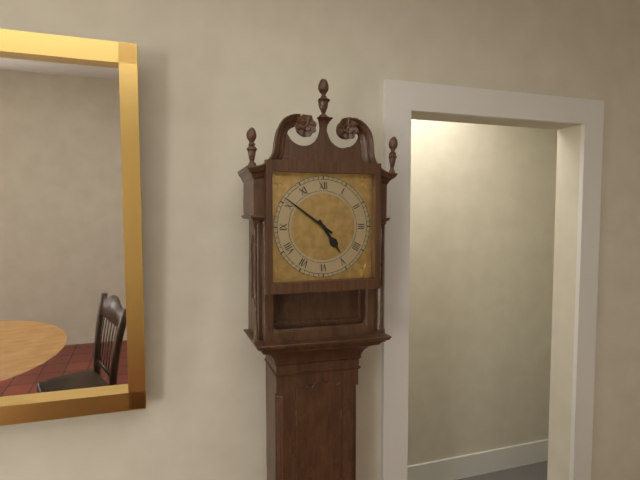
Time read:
**4:51**
